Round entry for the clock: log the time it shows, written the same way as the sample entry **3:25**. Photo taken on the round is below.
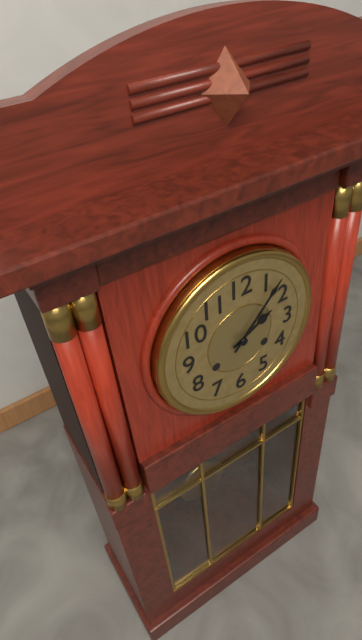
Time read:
**2:07**
